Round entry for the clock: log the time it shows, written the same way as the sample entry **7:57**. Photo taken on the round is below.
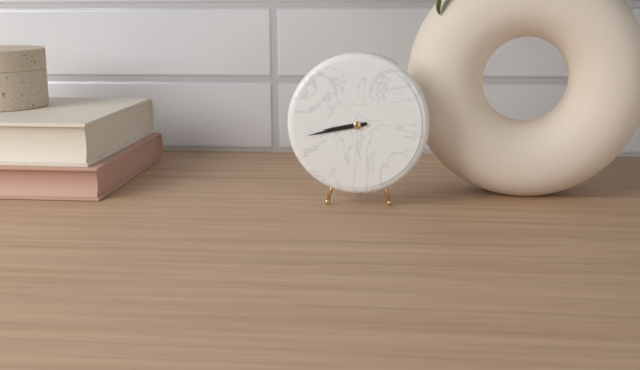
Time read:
**8:43**
